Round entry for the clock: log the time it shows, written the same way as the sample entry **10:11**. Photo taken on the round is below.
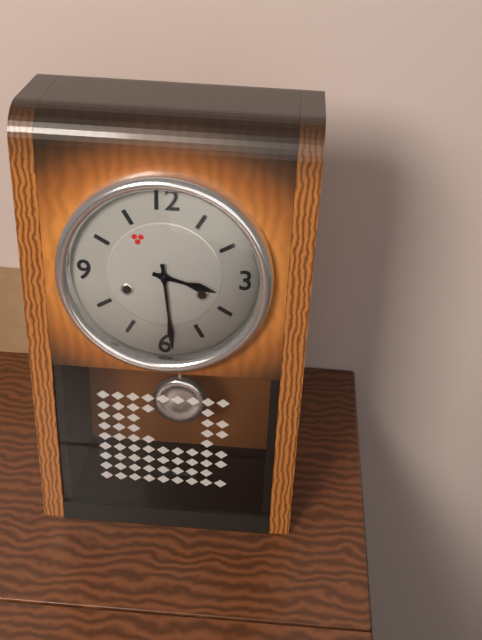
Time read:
**3:29**
